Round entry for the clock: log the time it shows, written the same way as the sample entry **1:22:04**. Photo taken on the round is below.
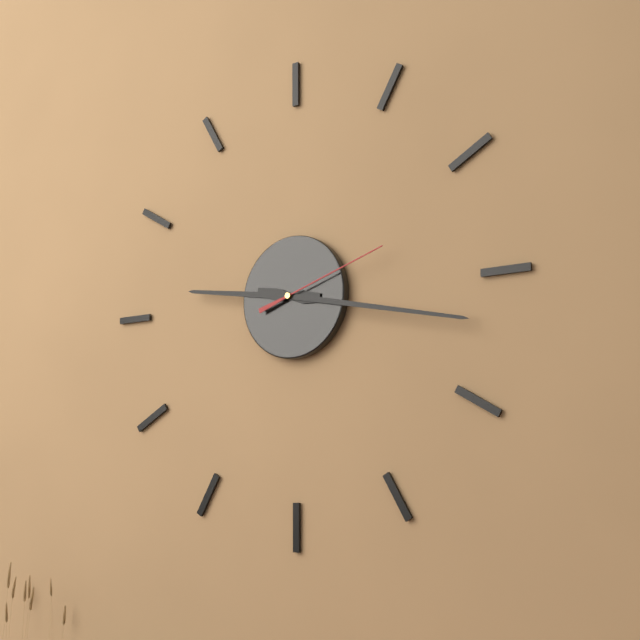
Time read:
**9:17:12**
